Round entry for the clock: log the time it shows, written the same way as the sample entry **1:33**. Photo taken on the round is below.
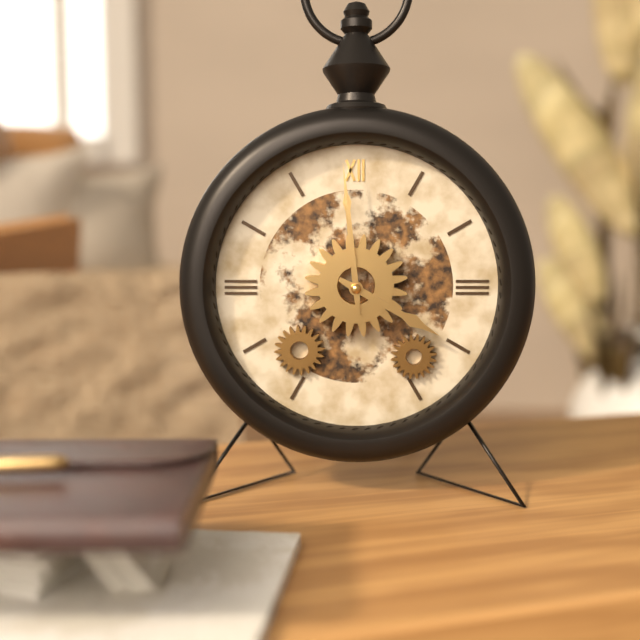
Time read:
**3:59**
